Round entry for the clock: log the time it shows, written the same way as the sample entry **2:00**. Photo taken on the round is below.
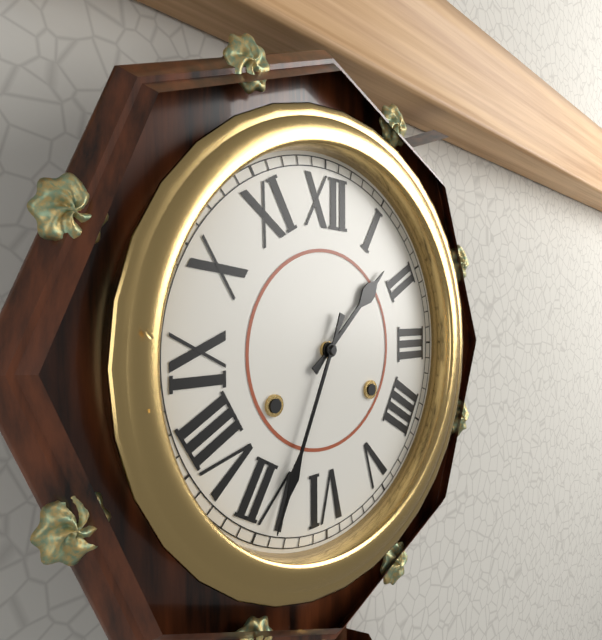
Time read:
**1:34**
